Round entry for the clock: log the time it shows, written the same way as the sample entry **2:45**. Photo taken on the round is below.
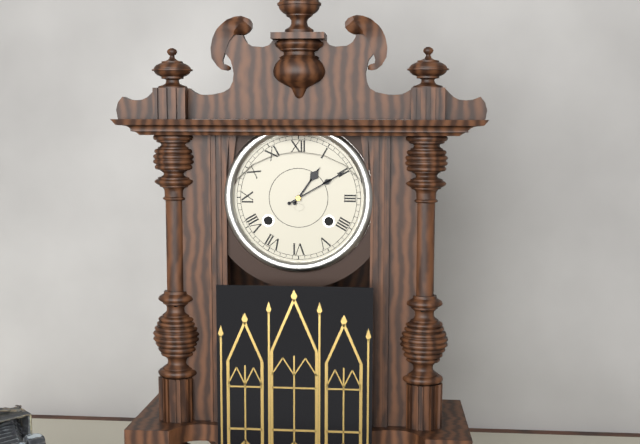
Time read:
**1:10**
